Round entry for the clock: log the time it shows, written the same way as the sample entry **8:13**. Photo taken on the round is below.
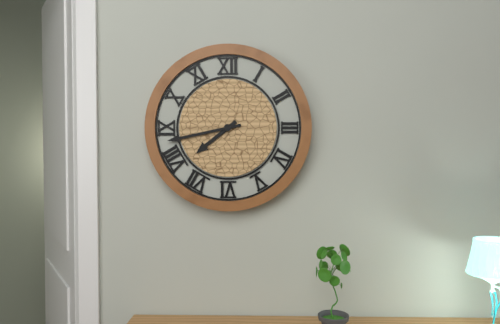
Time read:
**7:43**
